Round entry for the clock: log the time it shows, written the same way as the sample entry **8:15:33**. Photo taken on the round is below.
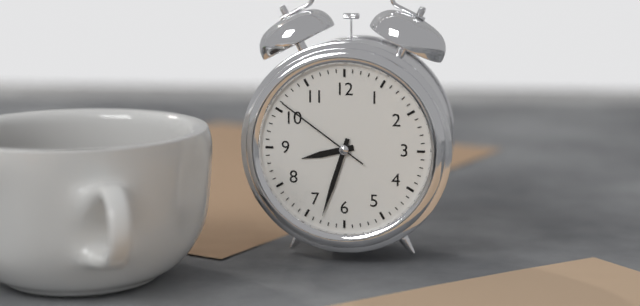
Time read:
**8:33:51**
